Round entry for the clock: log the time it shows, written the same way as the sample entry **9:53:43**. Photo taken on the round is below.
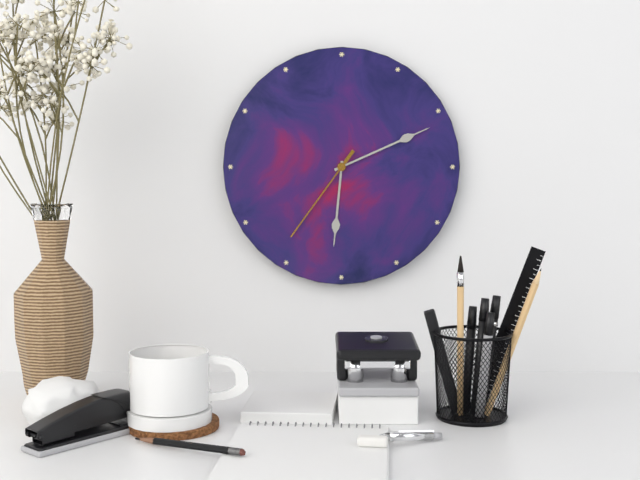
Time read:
**6:11:36**
